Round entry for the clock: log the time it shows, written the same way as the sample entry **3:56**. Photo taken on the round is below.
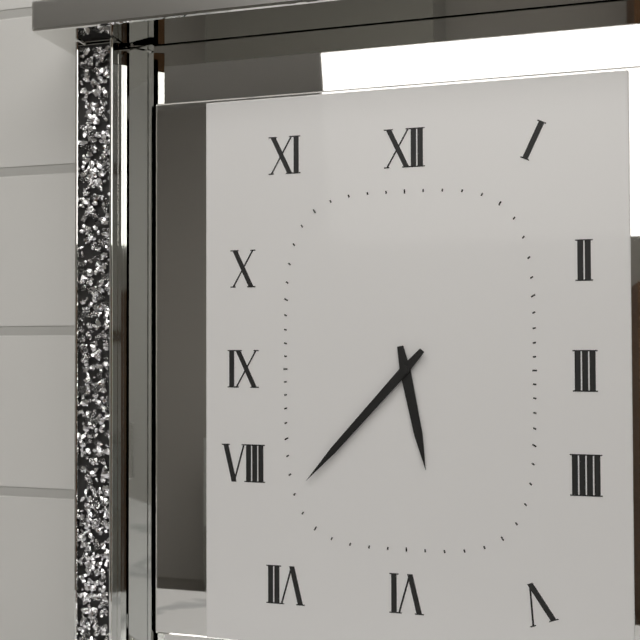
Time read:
**5:37**
